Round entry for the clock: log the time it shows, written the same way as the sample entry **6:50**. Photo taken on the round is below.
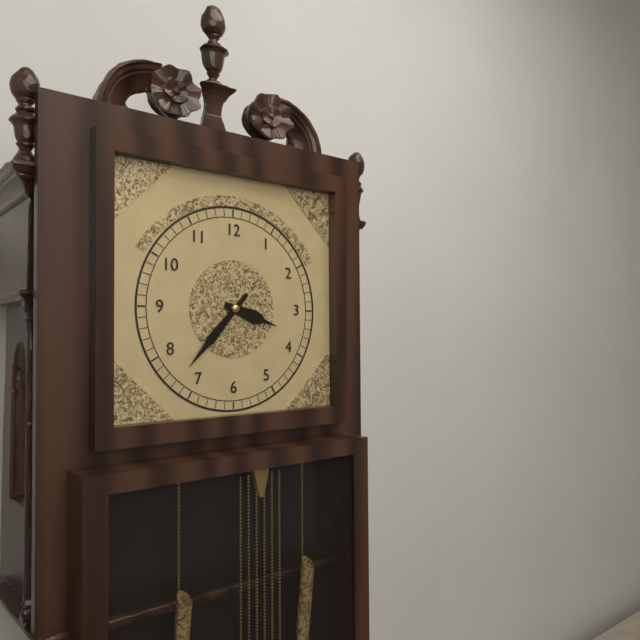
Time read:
**3:37**
